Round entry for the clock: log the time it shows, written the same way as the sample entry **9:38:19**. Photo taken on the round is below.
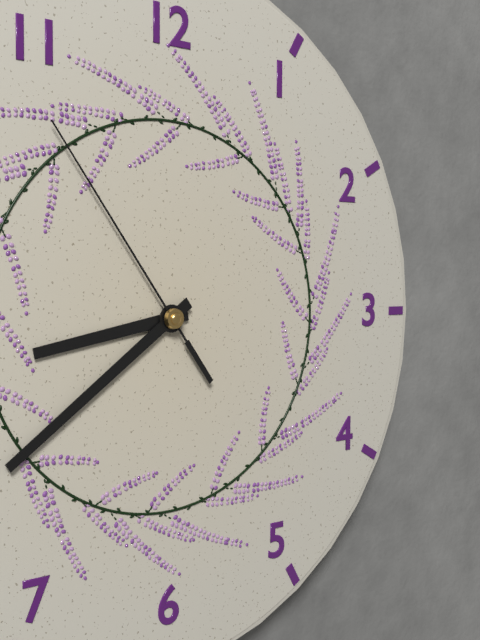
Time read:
**8:39:54**
